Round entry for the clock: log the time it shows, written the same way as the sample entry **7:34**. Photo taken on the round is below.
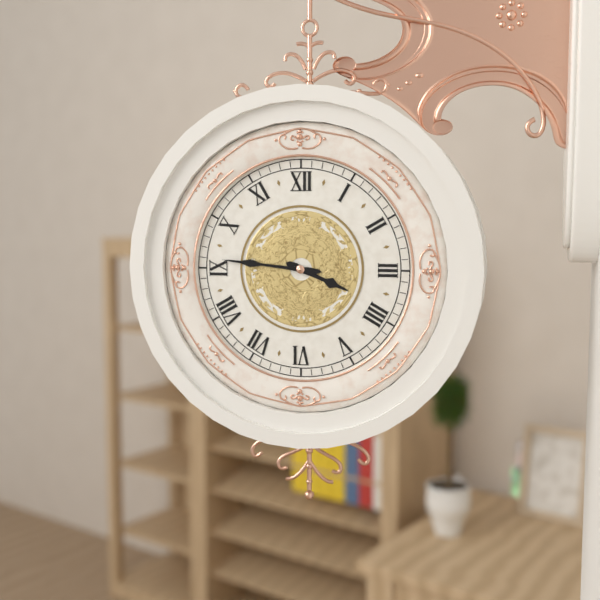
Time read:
**3:46**
